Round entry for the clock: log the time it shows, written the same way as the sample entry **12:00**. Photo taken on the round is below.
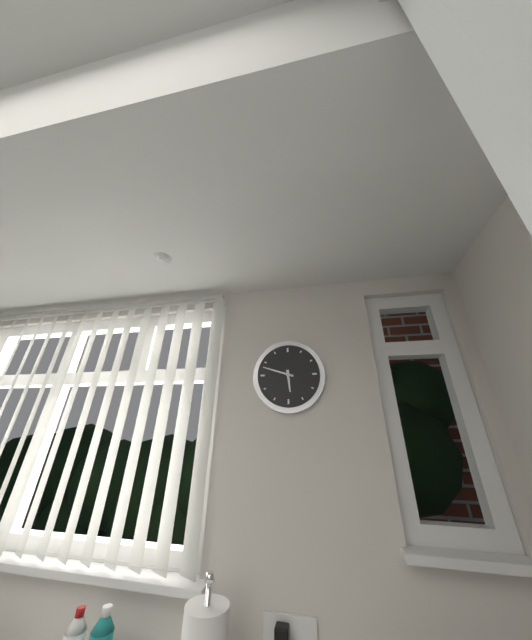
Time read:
**5:48**
